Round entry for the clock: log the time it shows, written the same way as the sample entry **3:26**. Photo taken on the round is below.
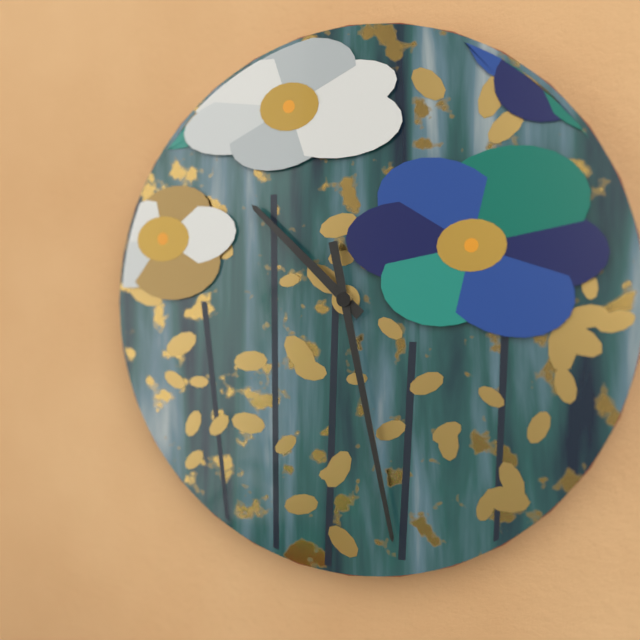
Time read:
**10:28**
